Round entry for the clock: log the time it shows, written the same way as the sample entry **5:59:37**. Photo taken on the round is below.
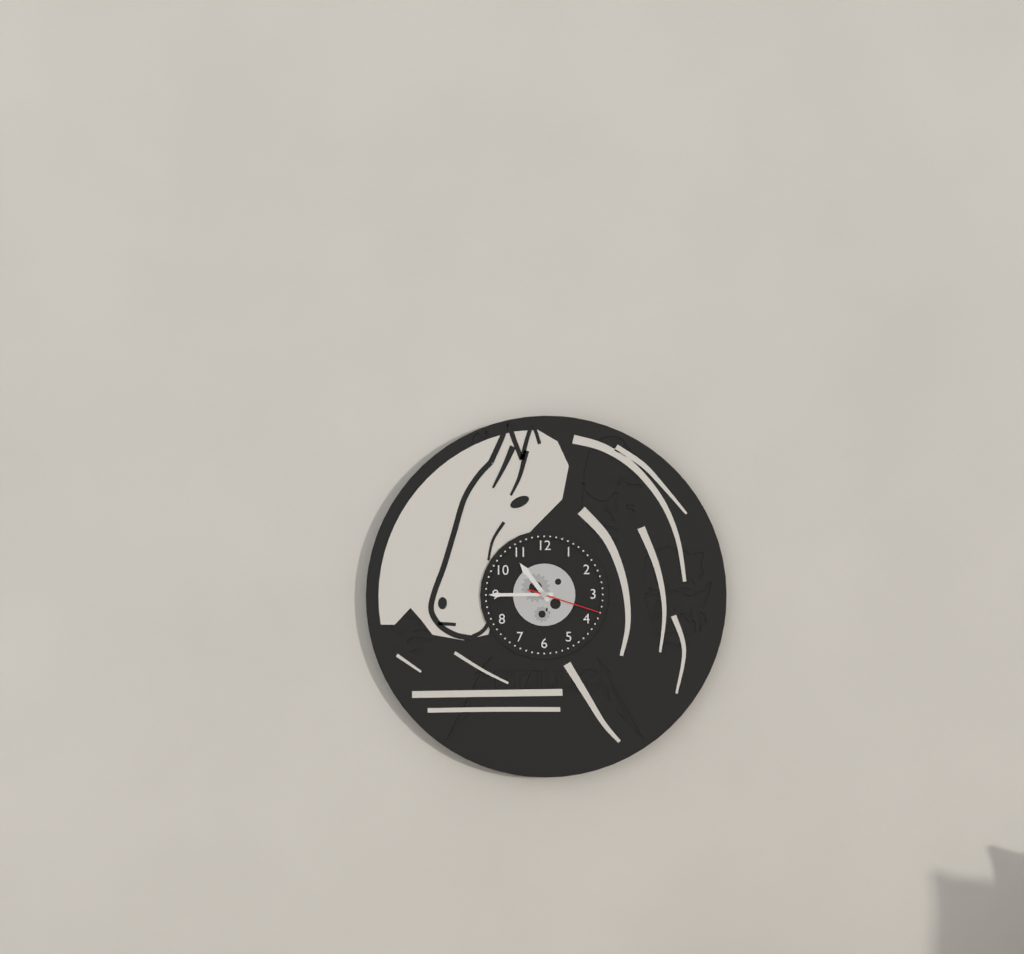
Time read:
**10:45:18**
